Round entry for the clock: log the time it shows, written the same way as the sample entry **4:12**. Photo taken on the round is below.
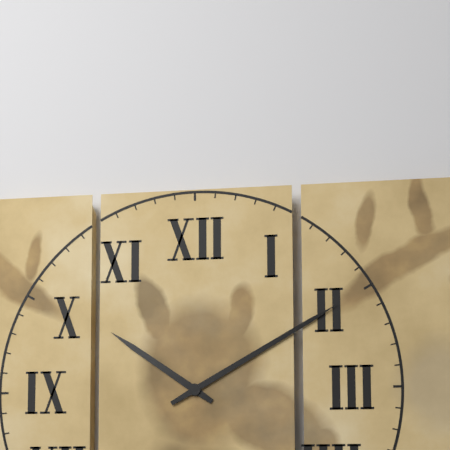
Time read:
**10:10**
